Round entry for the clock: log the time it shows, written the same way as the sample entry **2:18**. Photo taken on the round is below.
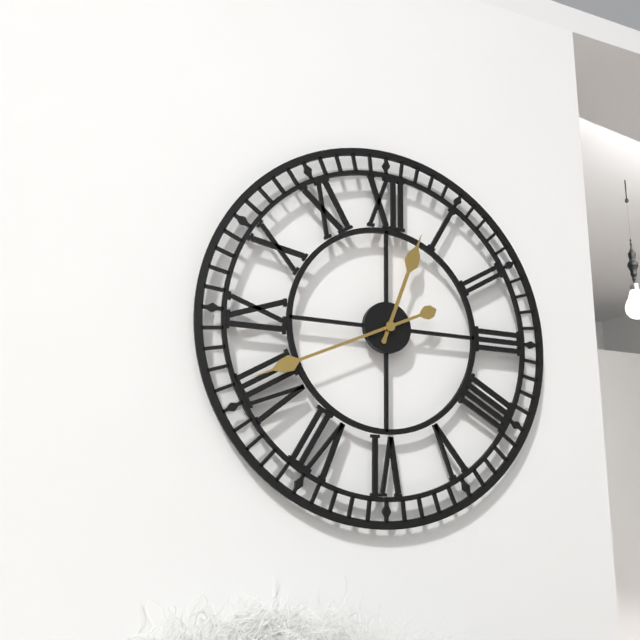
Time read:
**12:41**
